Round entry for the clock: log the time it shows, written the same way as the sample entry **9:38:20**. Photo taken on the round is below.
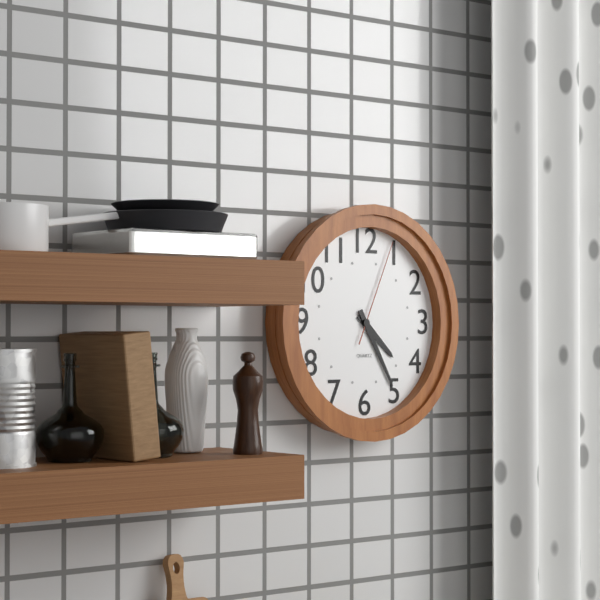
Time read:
**4:25:04**
